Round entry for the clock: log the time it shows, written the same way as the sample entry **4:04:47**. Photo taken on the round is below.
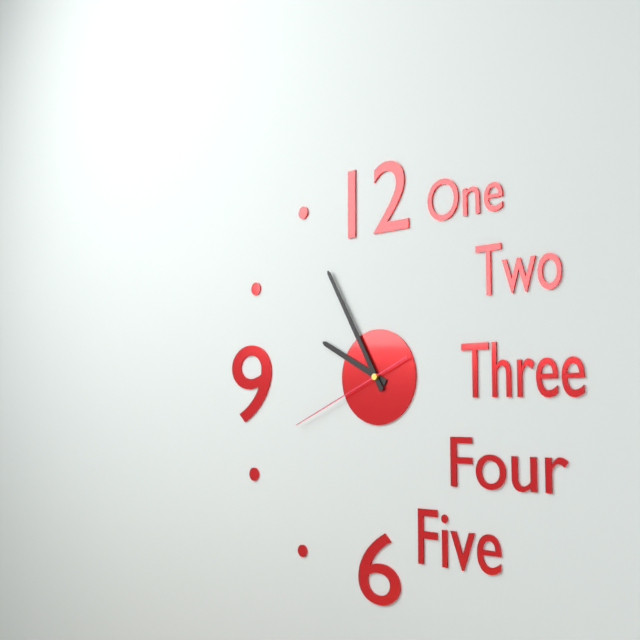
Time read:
**9:55:41**
